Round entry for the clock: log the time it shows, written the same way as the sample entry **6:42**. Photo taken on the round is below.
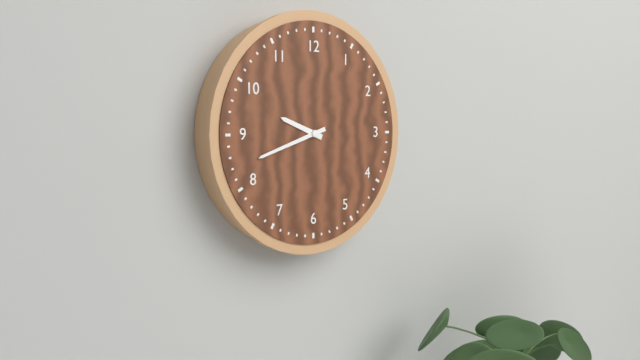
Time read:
**9:42**
